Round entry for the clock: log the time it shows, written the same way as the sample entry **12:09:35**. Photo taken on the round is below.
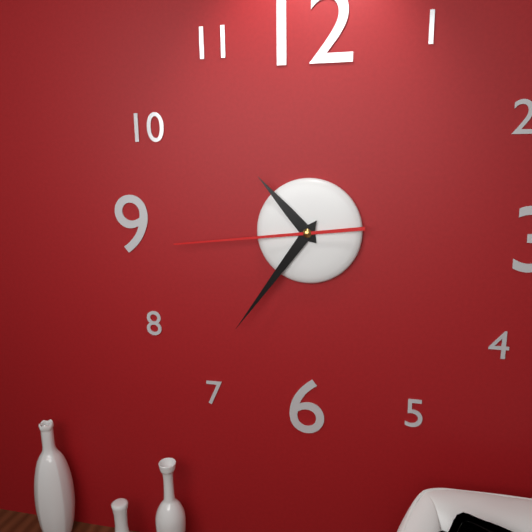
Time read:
**10:36:44**
